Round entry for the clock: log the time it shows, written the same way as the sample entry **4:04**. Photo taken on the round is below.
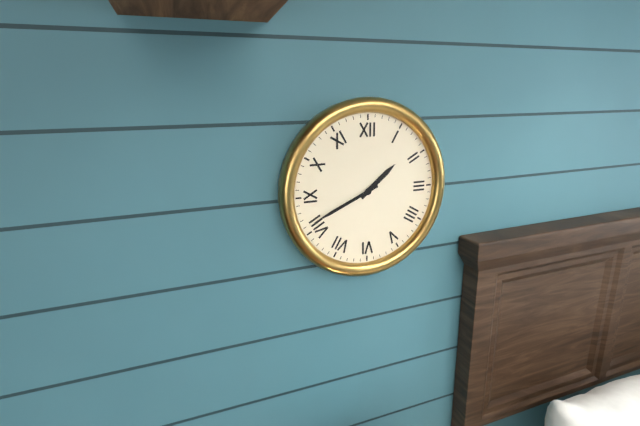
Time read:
**1:41**
